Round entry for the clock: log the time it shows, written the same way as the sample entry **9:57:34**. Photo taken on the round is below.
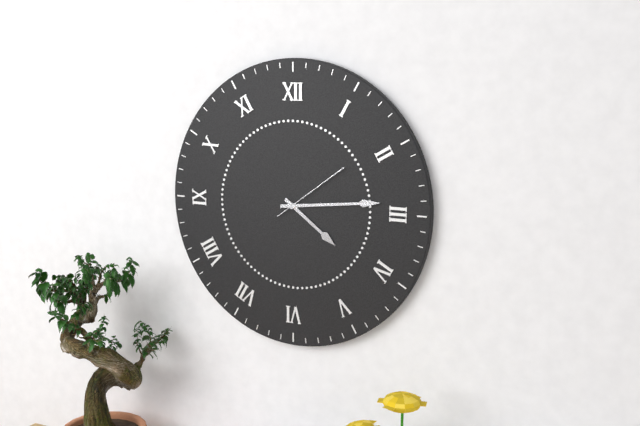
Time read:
**4:14:09**
